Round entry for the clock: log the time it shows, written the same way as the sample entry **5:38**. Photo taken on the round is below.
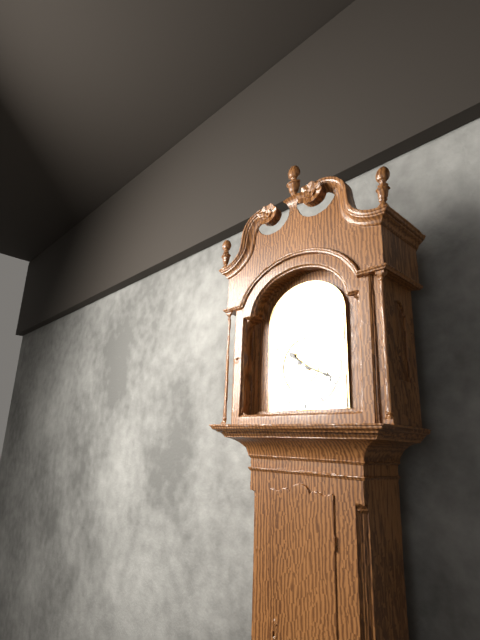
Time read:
**10:19**
